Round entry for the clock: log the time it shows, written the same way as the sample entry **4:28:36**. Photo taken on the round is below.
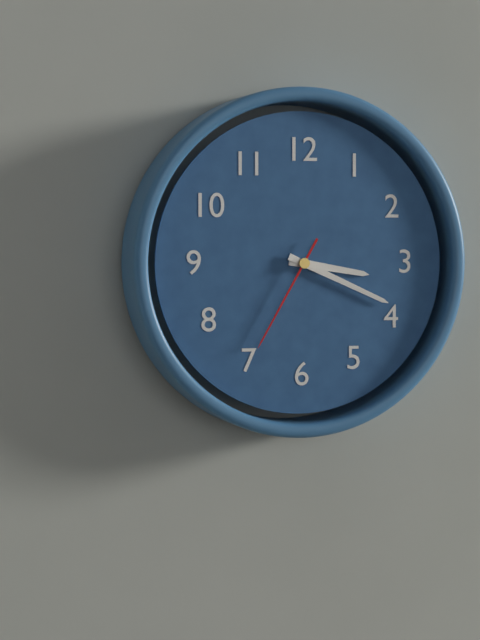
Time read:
**3:19:35**
